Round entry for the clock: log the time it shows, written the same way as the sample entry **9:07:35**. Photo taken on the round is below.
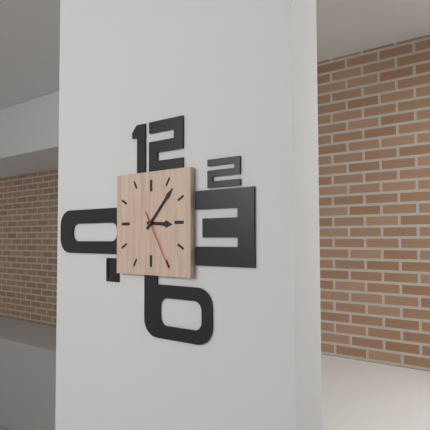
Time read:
**3:07:25**
